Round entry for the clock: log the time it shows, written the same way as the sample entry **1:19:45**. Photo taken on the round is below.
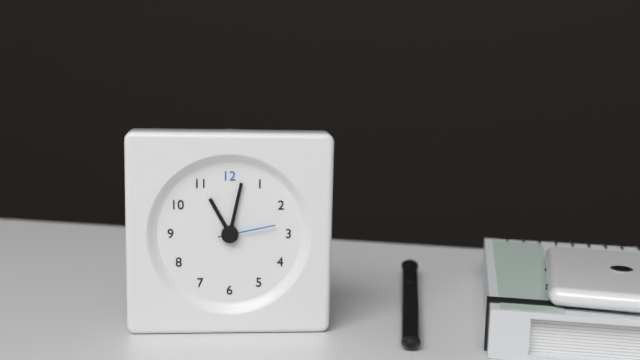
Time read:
**11:02:13**
